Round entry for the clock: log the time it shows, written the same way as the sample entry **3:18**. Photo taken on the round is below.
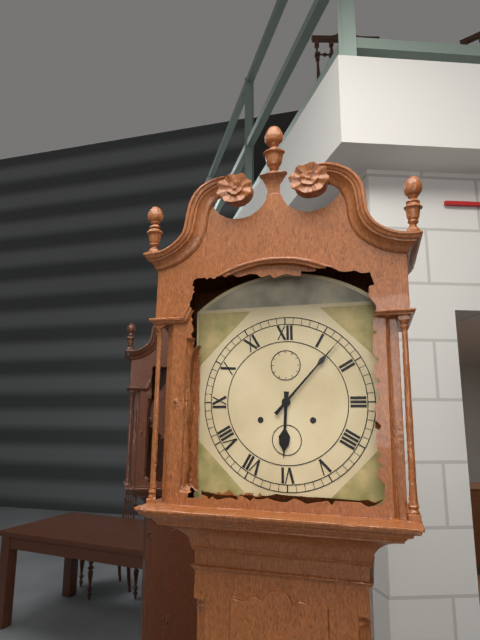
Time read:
**6:07**
